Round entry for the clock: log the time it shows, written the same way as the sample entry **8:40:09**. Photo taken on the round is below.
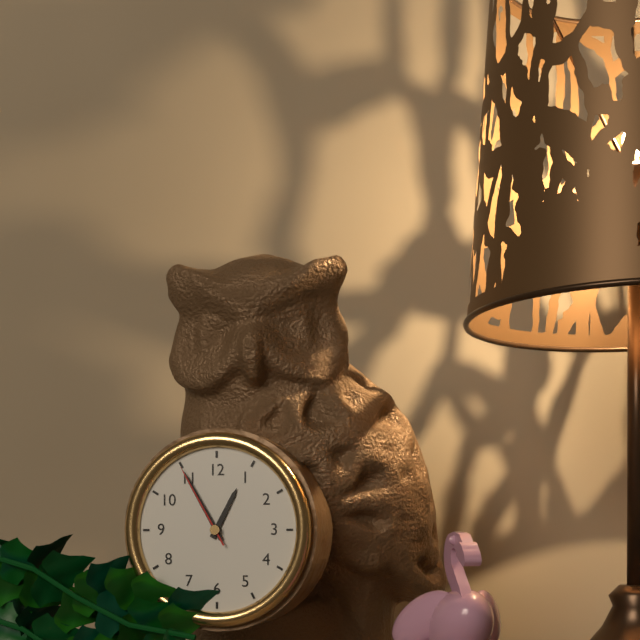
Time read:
**12:55:55**
